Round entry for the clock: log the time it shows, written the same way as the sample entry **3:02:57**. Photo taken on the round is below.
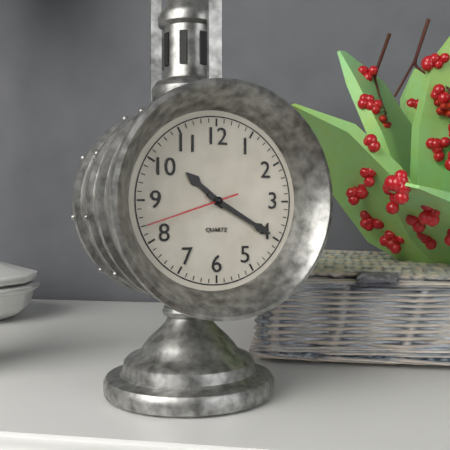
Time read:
**10:20:42**
